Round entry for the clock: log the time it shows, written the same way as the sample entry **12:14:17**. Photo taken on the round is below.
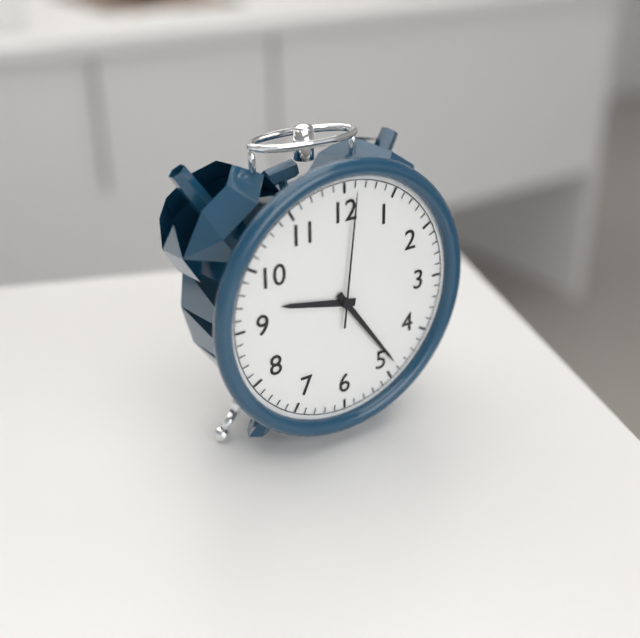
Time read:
**9:24:01**
